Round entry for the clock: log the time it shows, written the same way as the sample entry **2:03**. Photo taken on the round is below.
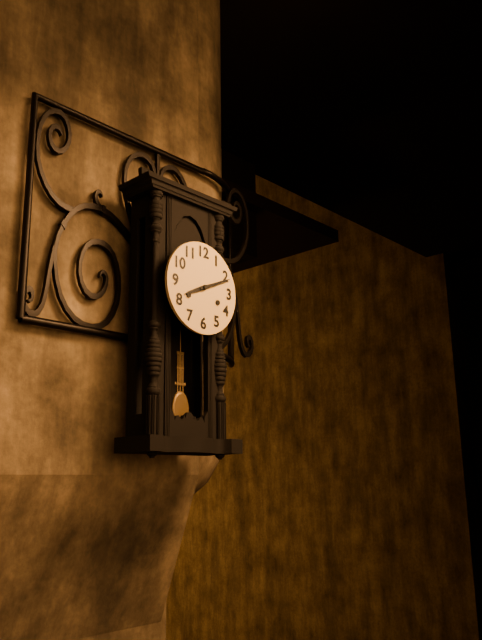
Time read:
**8:11**
